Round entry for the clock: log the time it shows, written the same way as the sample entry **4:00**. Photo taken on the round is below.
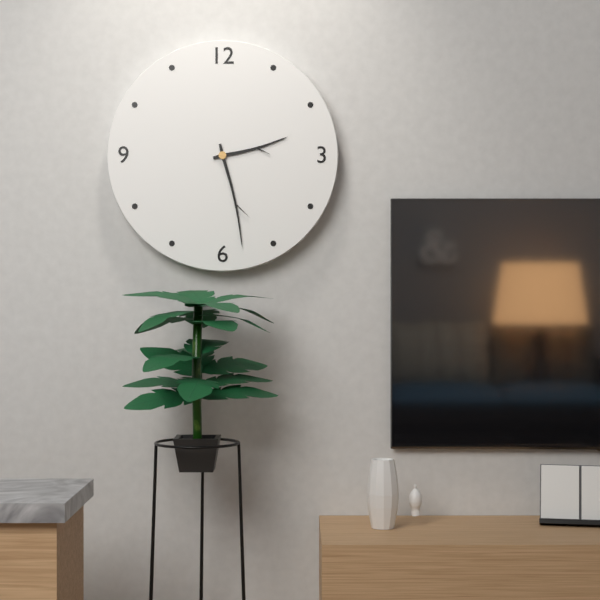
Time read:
**2:28**
